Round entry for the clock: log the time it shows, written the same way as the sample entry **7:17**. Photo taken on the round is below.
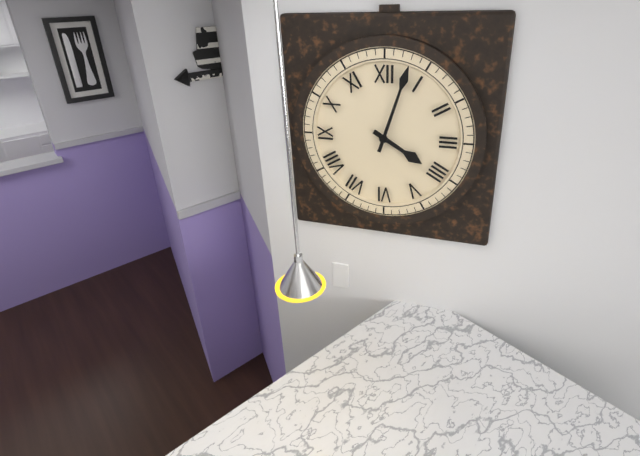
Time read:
**4:03**
